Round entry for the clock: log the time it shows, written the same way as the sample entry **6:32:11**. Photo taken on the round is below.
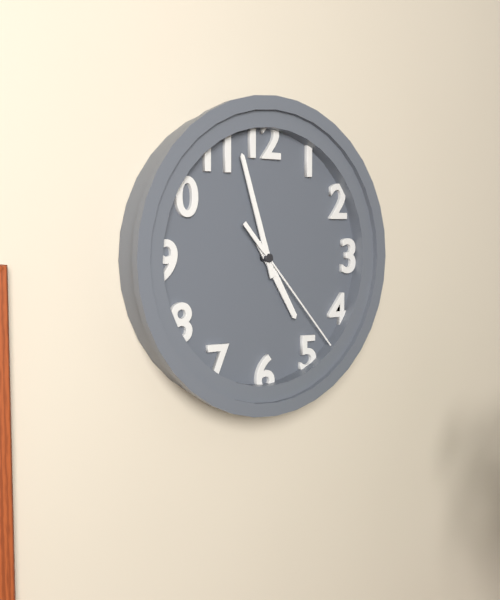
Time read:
**4:57:23**
